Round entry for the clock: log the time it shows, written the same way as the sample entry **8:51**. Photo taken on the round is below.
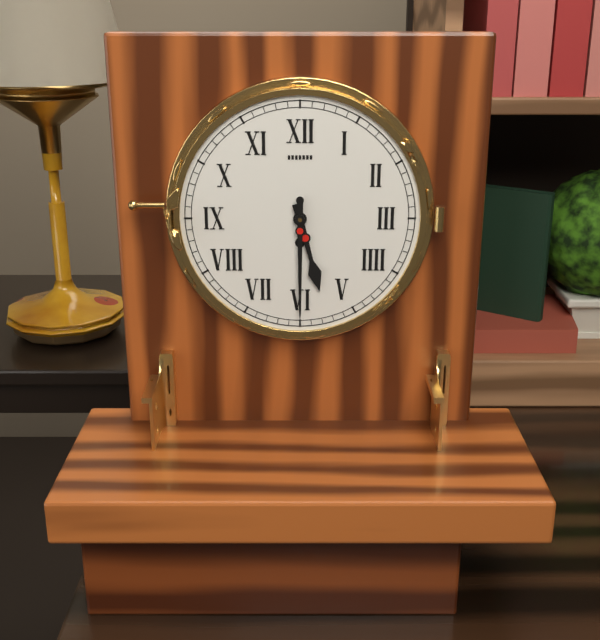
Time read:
**5:30**
